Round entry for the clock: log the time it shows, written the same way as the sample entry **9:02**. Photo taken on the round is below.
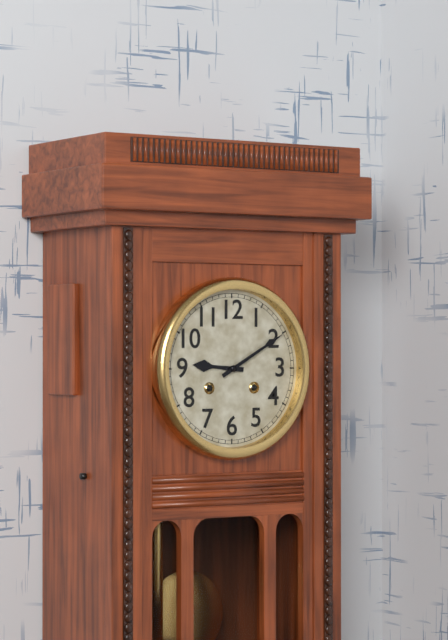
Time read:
**9:10**
